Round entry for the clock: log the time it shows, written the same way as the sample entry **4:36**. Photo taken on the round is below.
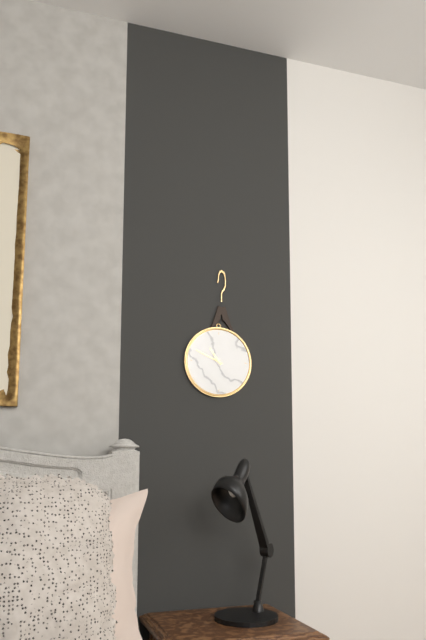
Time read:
**10:49**
